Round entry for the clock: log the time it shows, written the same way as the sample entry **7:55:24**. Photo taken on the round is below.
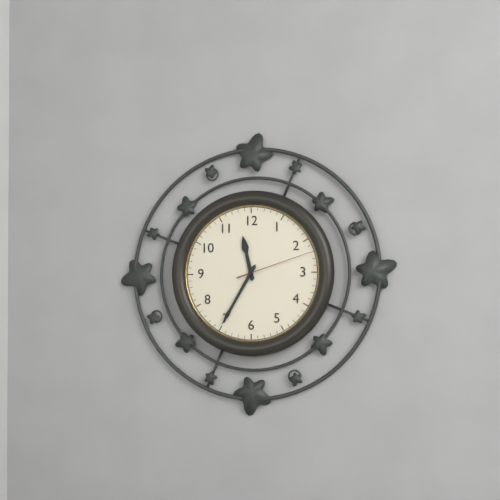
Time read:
**11:35:12**
